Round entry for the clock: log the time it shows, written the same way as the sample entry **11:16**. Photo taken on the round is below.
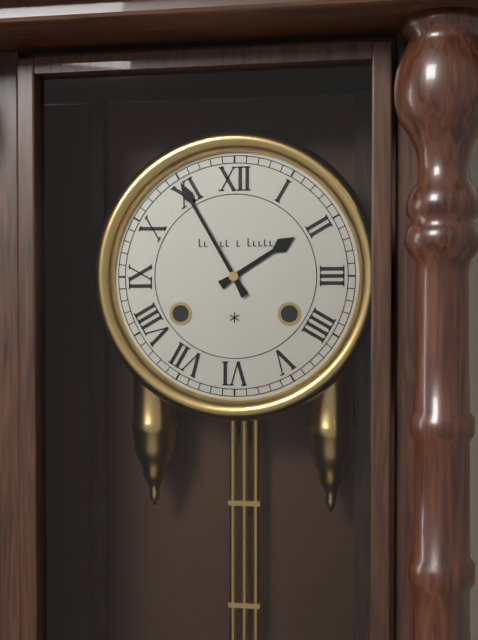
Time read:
**1:55**
